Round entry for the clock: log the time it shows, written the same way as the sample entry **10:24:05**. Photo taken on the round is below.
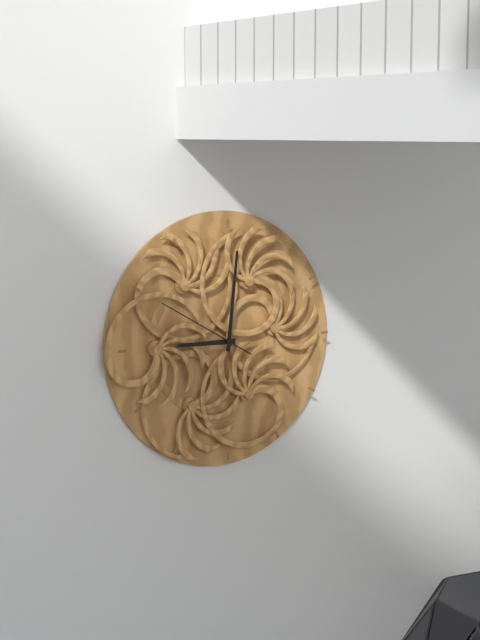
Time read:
**9:01:50**
